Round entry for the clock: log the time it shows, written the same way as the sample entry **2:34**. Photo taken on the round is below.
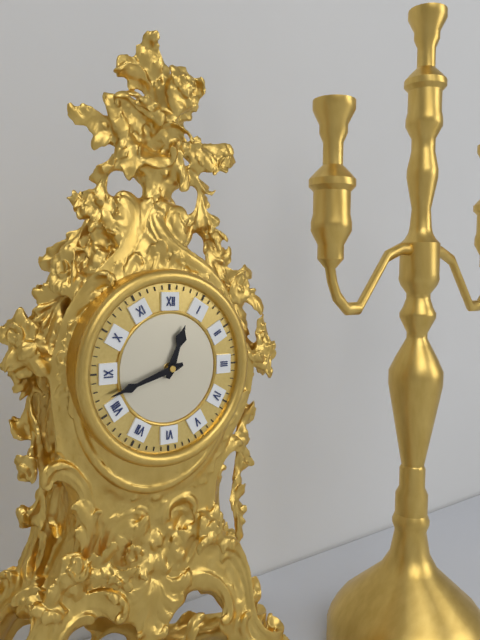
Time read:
**12:42**
